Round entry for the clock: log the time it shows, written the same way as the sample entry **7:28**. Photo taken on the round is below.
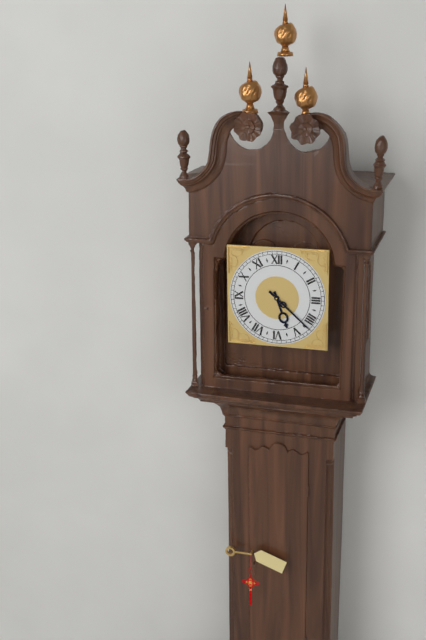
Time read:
**5:22**
